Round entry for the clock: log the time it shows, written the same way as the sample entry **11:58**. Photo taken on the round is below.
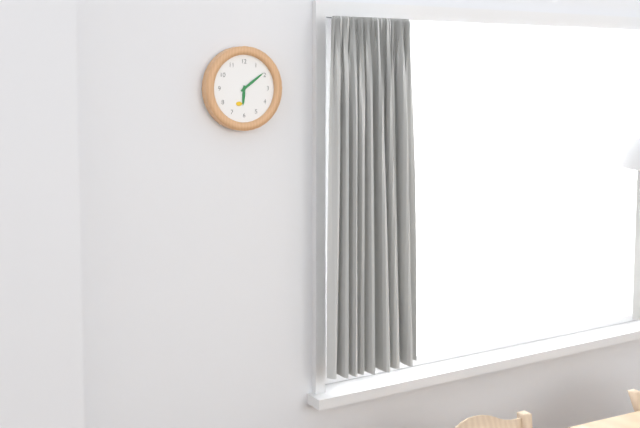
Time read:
**6:09**
